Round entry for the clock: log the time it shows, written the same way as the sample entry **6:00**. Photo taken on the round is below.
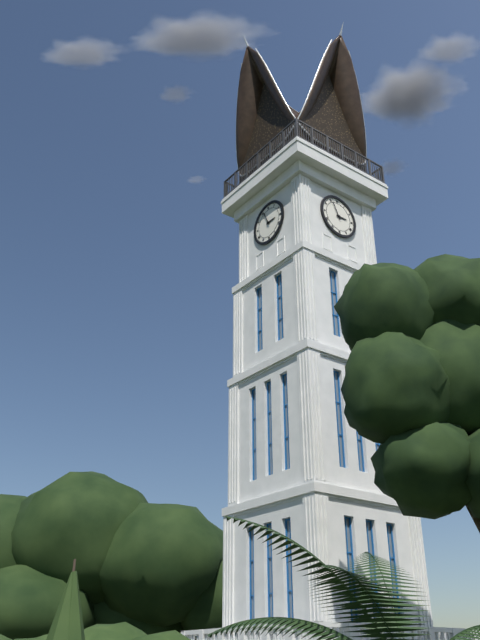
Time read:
**2:56**
